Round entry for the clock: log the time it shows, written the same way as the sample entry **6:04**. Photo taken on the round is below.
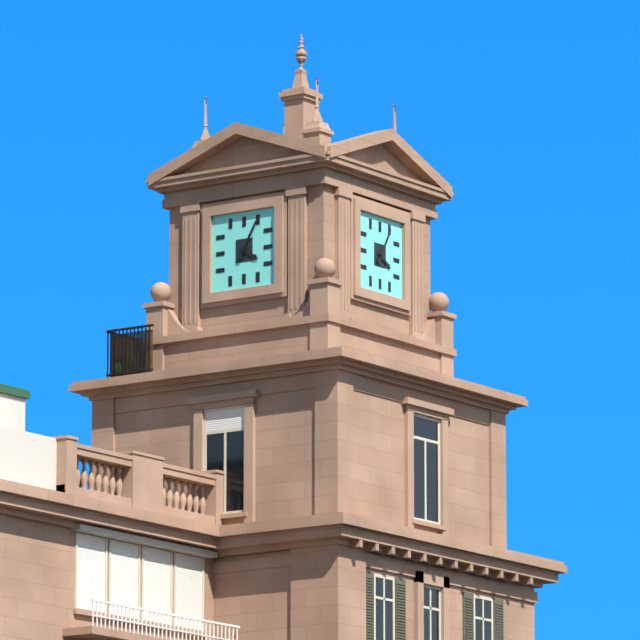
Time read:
**4:05**
